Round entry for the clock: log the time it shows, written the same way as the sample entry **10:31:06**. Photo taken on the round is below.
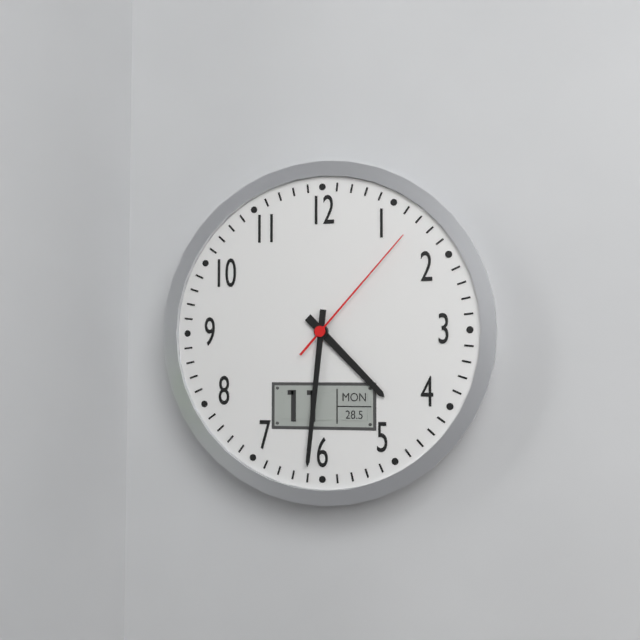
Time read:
**4:31:07**
